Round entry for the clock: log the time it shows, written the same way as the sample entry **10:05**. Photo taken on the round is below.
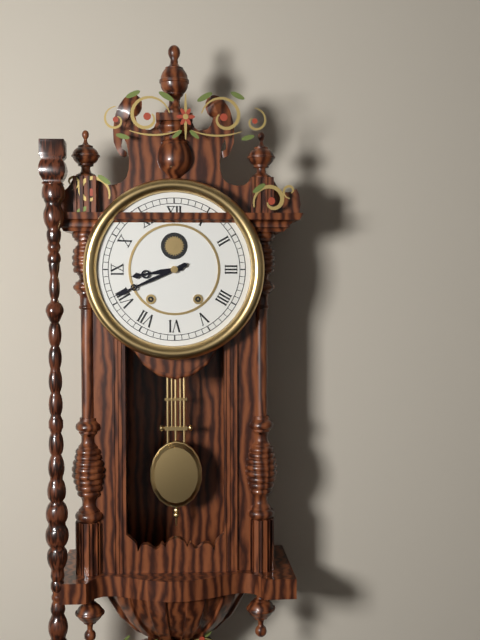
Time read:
**8:41**
